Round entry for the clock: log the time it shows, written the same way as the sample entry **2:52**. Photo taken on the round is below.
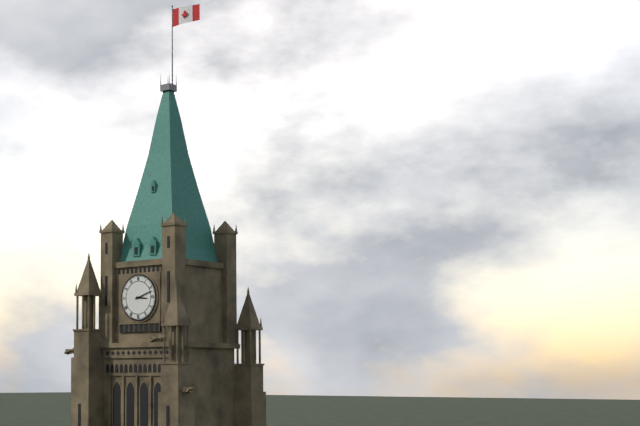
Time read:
**3:12**
